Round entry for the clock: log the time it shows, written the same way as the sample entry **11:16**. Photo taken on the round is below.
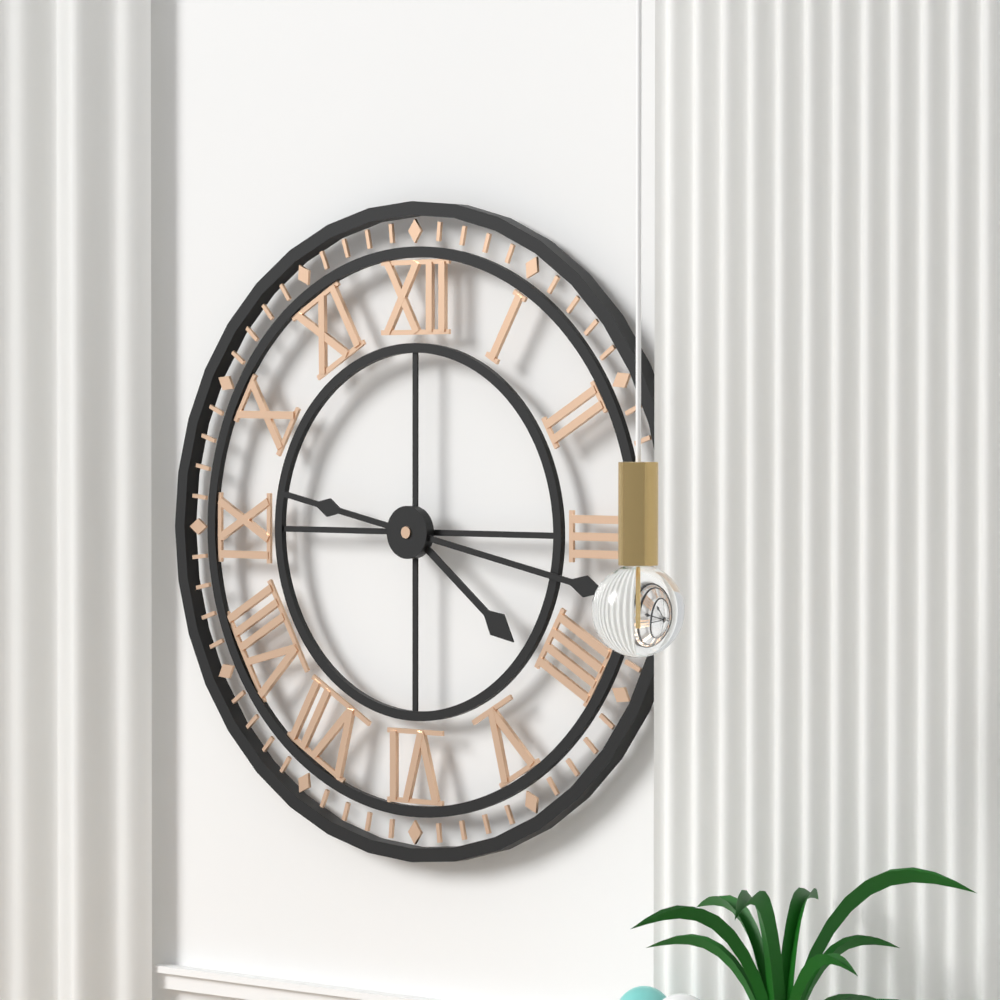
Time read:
**4:17**
